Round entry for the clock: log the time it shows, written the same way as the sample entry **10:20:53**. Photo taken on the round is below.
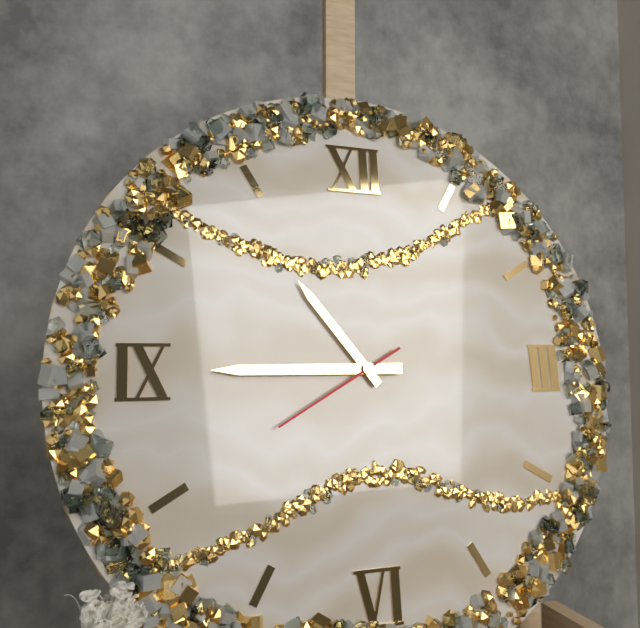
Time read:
**10:45:40**
